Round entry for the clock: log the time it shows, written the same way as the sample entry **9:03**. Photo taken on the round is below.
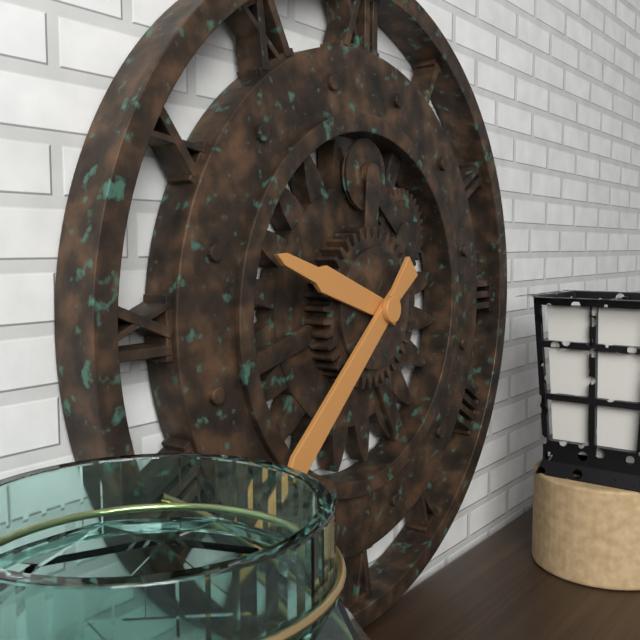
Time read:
**9:38**
